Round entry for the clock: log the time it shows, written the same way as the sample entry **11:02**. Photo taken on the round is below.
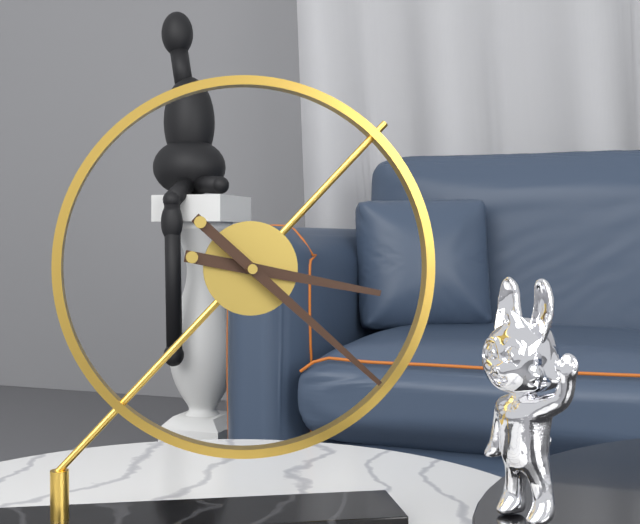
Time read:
**3:22**
